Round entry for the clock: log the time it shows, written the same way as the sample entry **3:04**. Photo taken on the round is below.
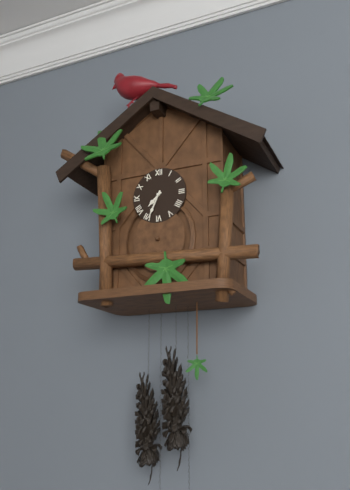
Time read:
**7:34**
